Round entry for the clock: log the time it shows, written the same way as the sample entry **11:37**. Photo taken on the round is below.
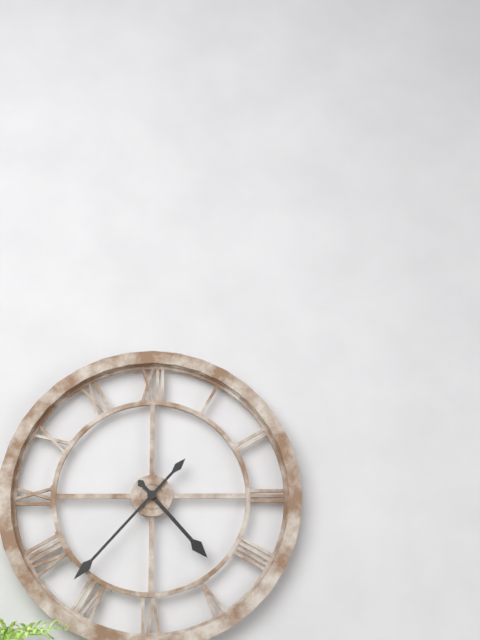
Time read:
**4:37**
